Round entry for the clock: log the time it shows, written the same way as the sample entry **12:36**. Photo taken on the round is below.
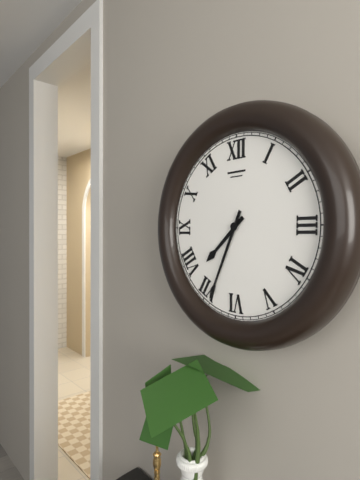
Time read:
**7:34**
